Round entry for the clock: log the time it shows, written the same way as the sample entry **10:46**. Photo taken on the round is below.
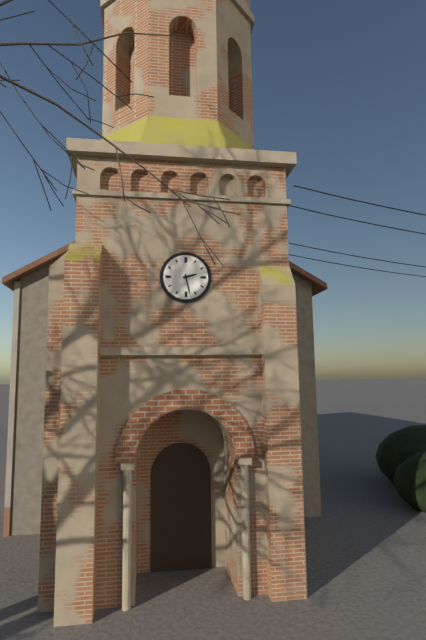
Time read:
**2:28**
